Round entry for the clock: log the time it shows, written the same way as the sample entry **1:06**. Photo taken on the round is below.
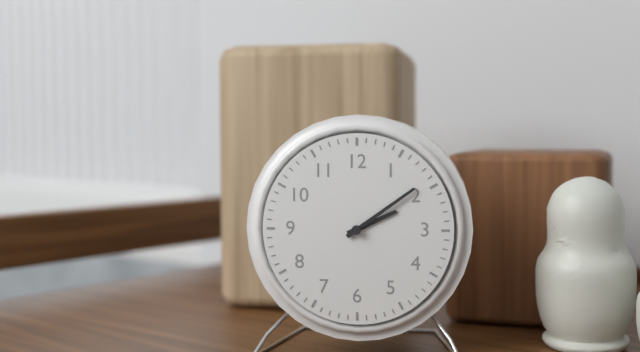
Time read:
**2:09**
